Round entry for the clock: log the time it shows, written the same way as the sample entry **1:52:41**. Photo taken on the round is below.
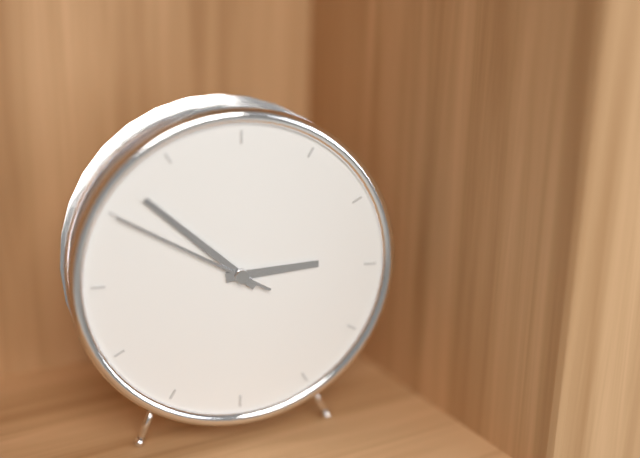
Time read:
**2:52:50**
